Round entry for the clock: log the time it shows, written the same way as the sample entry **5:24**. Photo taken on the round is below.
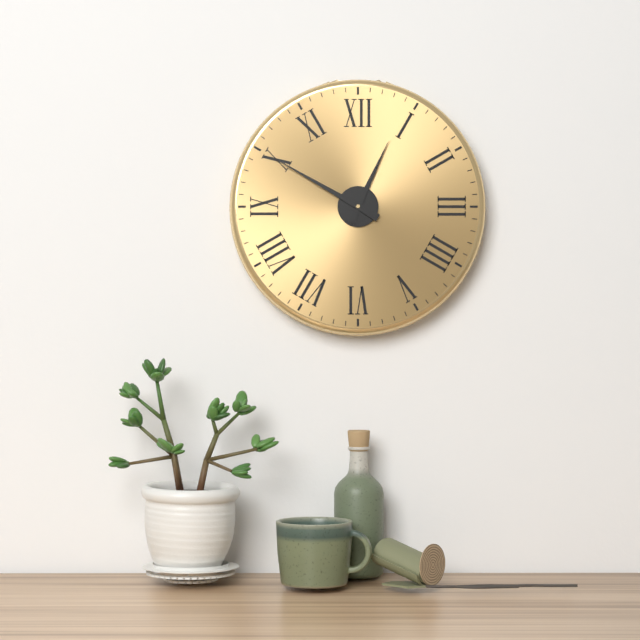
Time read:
**12:50**
